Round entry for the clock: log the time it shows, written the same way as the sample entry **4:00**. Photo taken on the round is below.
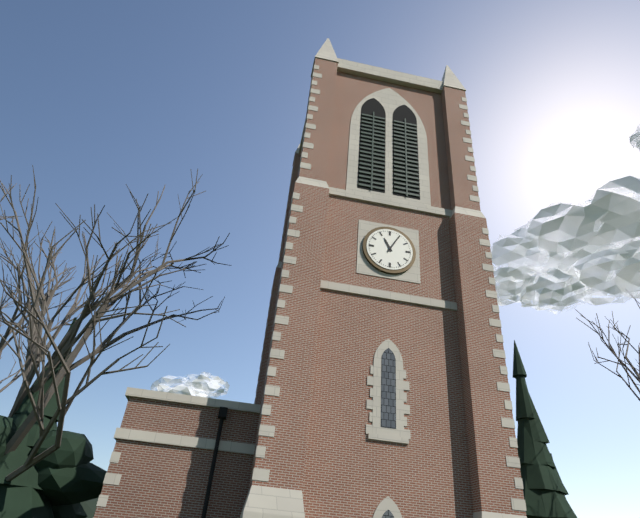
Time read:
**11:05**
